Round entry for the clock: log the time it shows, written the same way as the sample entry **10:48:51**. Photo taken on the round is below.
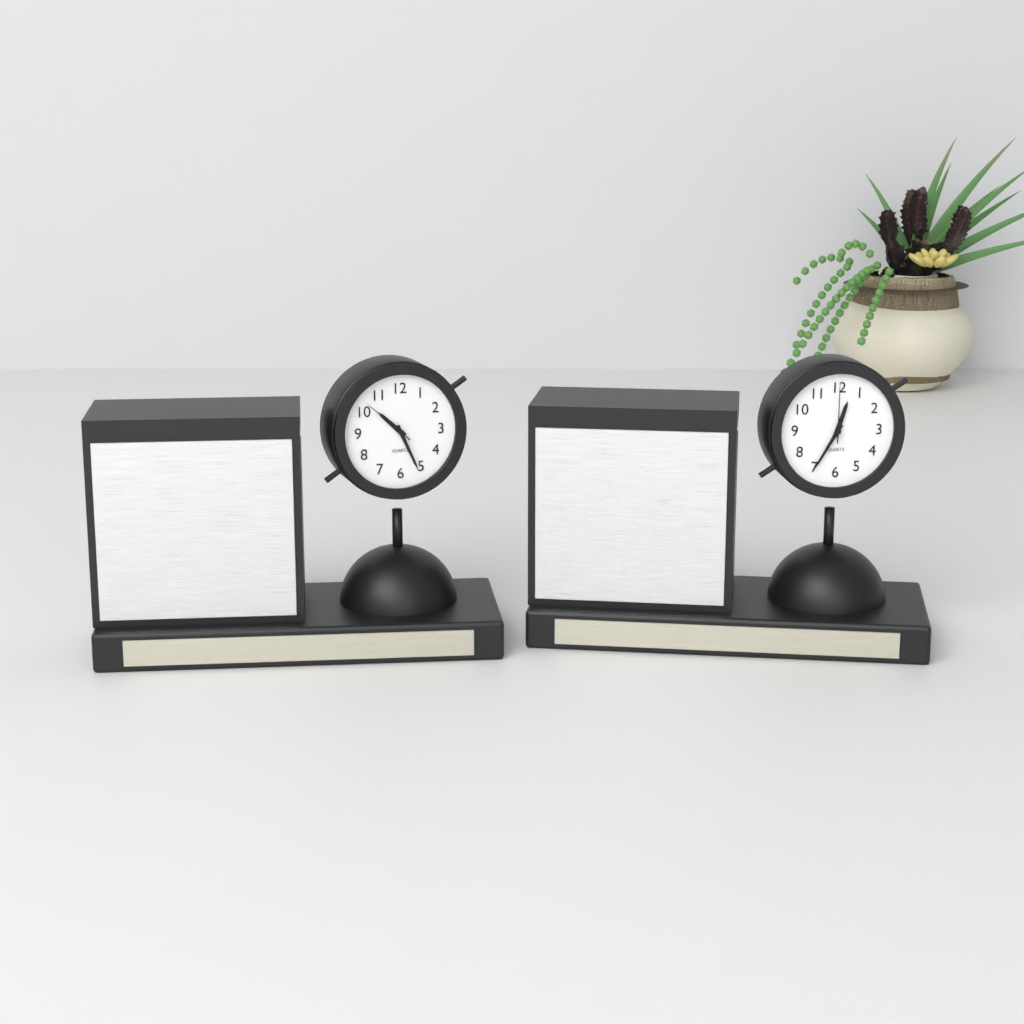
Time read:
**10:26:52**
